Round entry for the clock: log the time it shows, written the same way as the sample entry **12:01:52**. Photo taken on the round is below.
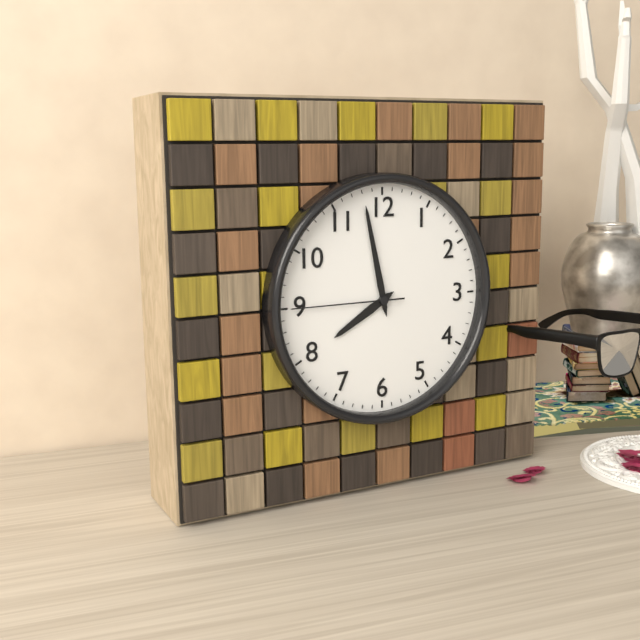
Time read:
**7:58:45**
